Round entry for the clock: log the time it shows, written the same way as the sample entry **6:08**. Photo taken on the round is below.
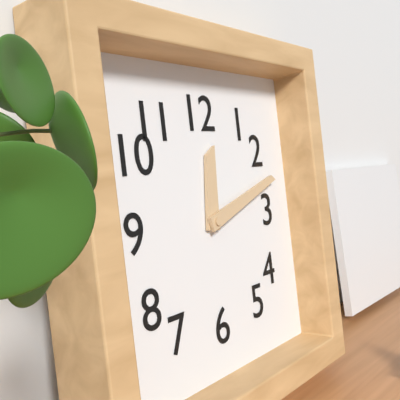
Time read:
**12:12**
